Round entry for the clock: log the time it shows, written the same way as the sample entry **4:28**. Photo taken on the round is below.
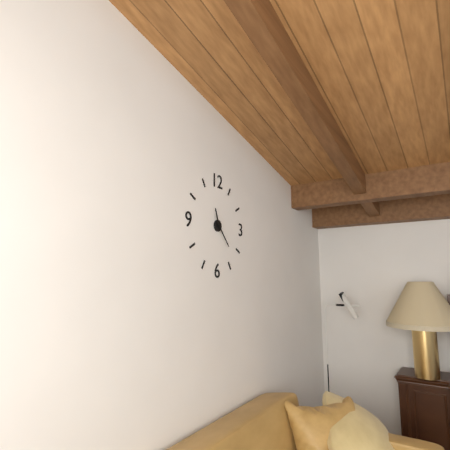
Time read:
**11:23**
